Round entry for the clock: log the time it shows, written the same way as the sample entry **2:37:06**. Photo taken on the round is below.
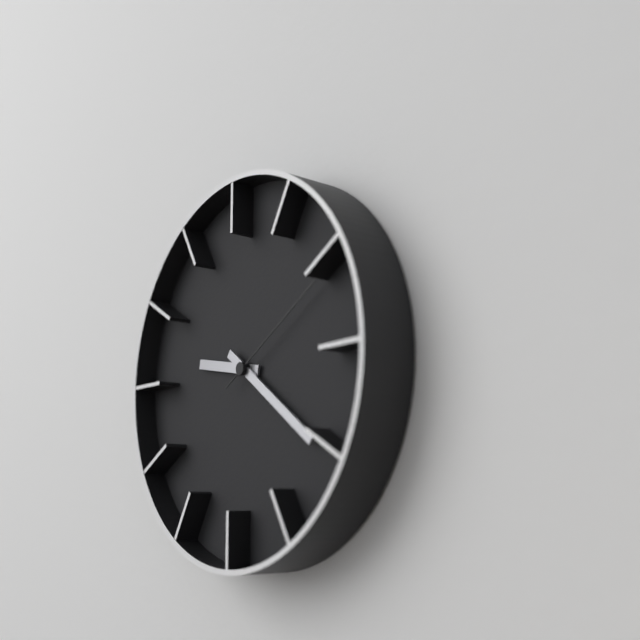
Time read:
**9:21:10**
